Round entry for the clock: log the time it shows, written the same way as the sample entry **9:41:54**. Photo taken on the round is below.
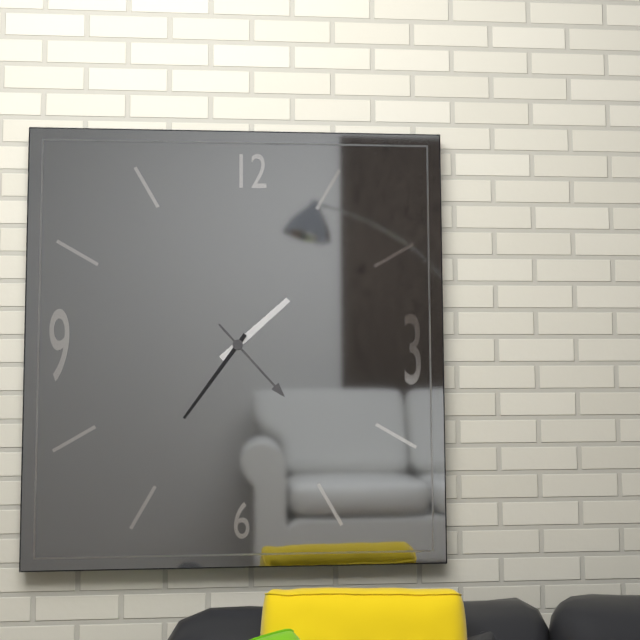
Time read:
**1:36:23**
